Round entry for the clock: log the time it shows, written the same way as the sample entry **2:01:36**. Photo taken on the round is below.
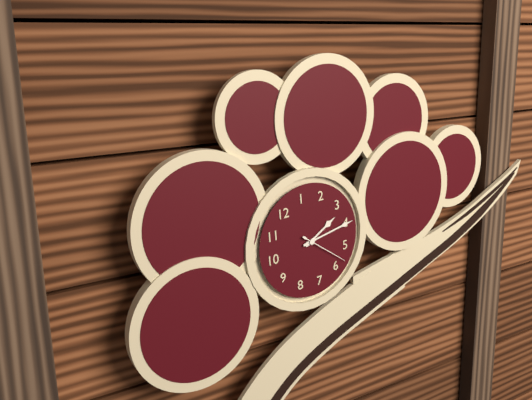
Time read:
**3:20:28**
